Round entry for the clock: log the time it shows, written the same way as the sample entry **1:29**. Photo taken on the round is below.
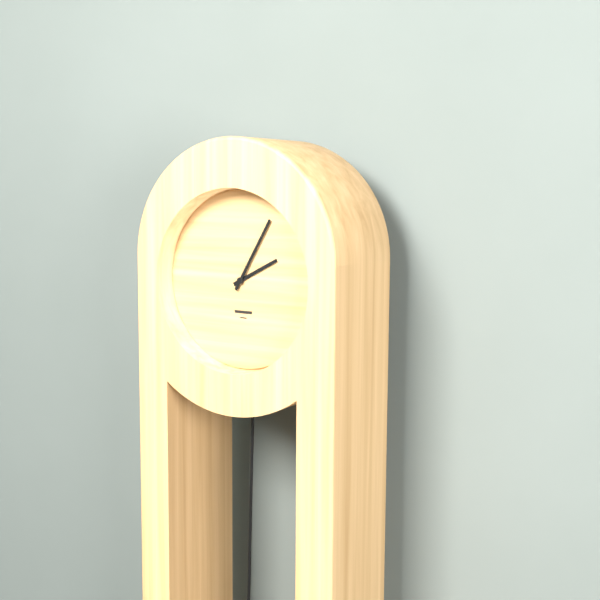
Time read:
**2:05**
